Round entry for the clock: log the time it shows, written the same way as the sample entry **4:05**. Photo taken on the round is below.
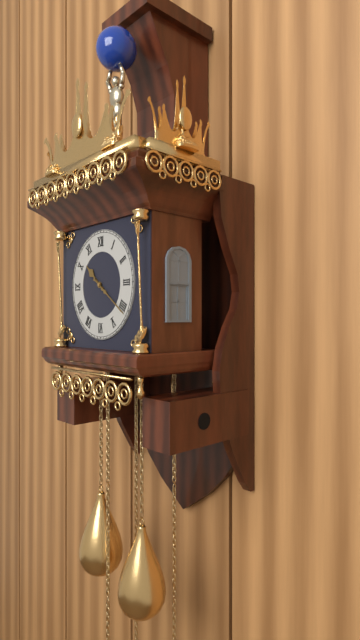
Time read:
**10:21**
